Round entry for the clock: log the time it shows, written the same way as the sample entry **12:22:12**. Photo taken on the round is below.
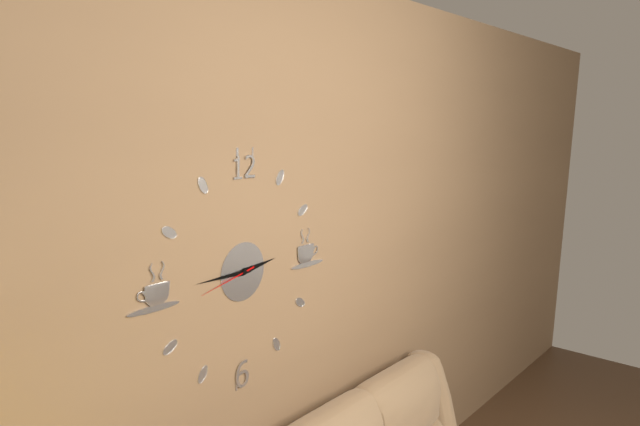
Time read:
**2:45:43**
